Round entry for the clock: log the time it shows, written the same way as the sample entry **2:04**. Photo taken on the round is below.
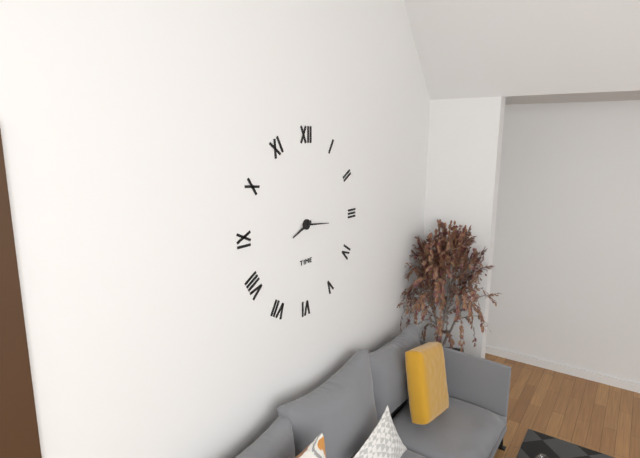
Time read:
**8:16**
